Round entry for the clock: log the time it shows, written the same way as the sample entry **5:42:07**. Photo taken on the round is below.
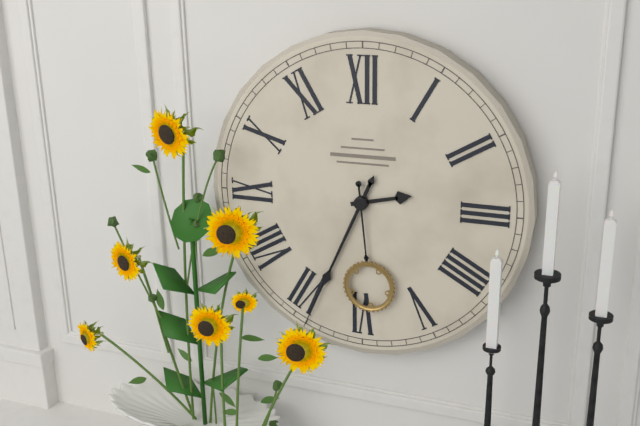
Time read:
**2:34:29**
